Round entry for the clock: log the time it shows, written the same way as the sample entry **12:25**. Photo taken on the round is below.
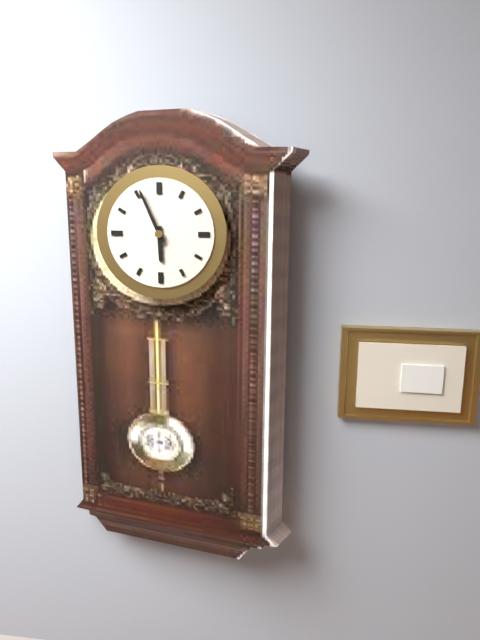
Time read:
**5:56**
